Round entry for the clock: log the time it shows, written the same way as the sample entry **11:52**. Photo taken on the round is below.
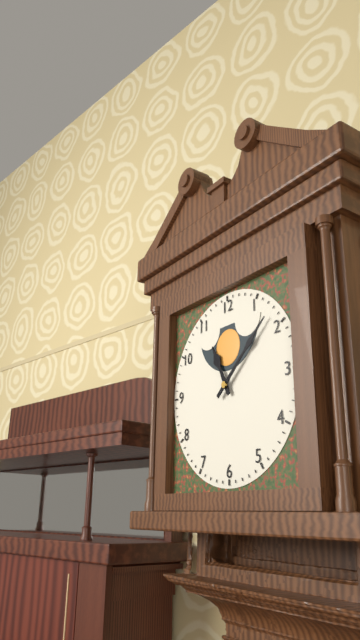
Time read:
**11:08**
